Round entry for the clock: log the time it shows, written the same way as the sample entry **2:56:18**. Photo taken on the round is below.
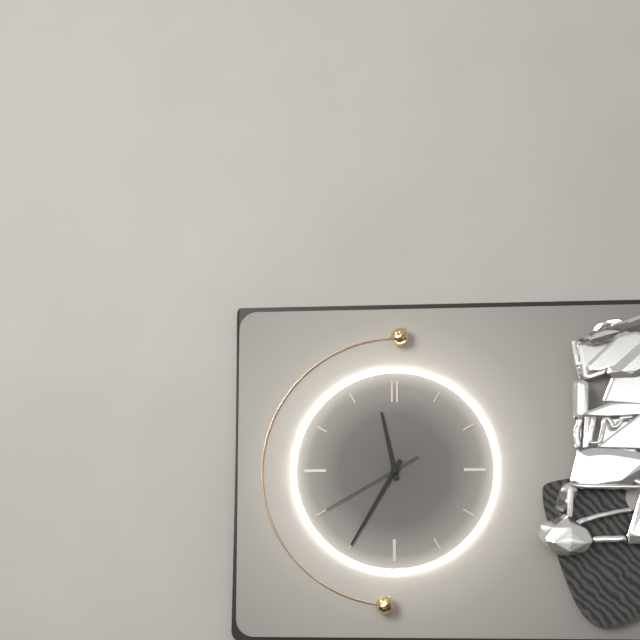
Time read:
**11:35:40**
